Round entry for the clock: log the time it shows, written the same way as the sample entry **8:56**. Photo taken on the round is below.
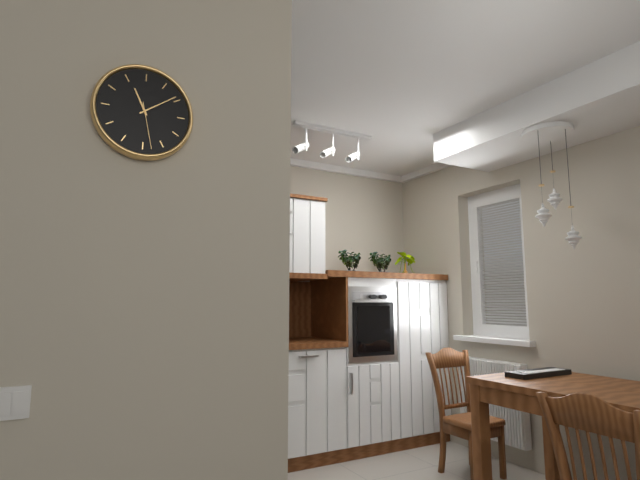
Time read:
**11:09**
